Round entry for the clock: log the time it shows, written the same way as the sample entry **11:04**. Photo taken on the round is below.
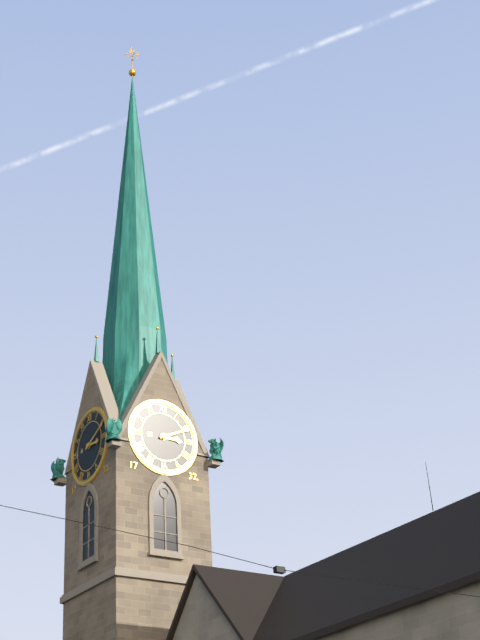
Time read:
**3:11**
